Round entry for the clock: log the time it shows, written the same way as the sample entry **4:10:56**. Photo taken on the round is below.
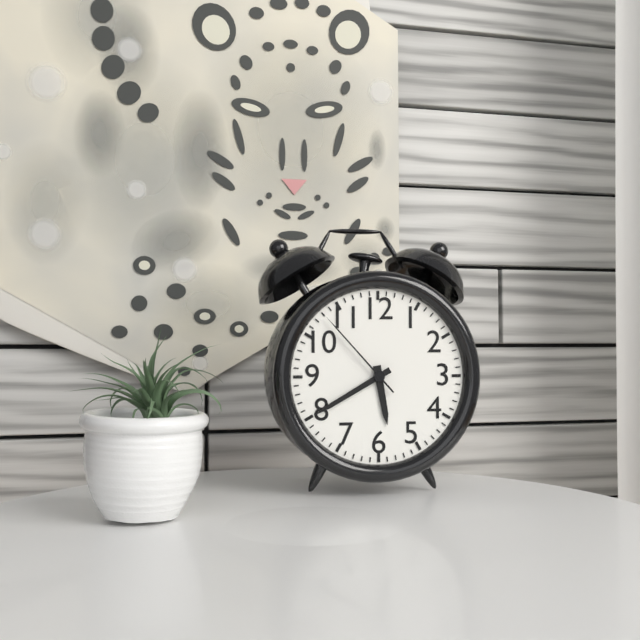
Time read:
**5:40:53**
